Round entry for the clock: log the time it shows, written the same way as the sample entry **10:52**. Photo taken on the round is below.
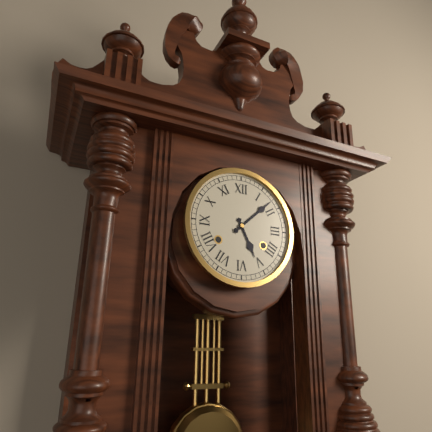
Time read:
**5:08**
